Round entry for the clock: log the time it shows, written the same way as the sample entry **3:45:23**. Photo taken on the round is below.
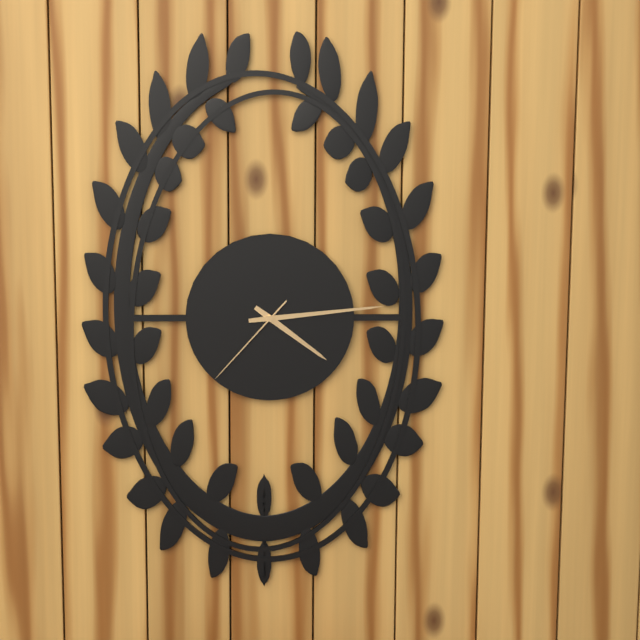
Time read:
**4:14:37**
